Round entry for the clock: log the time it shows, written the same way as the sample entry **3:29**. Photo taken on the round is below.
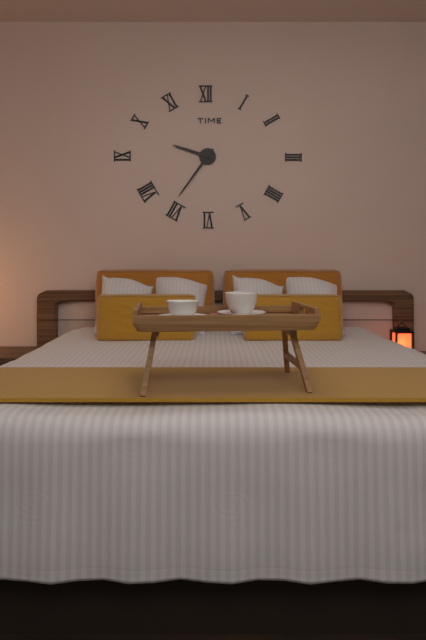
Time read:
**9:36**
